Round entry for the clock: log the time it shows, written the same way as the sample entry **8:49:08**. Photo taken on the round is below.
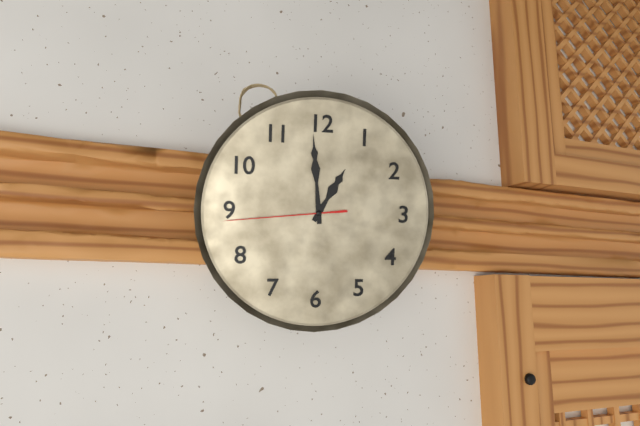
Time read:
**12:59:44**
